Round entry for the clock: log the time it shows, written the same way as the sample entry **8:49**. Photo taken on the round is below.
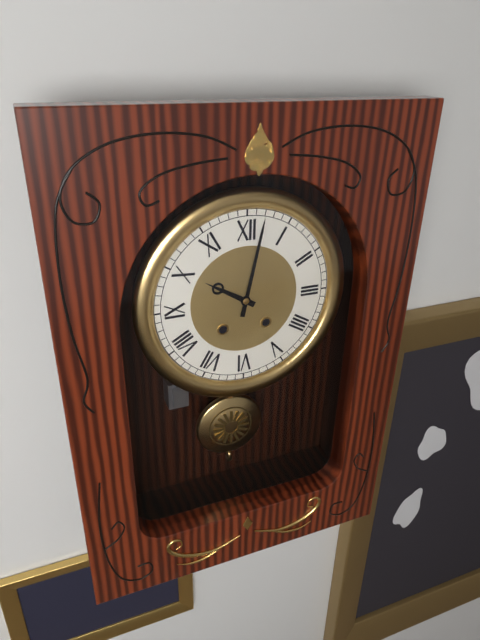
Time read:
**10:02**
